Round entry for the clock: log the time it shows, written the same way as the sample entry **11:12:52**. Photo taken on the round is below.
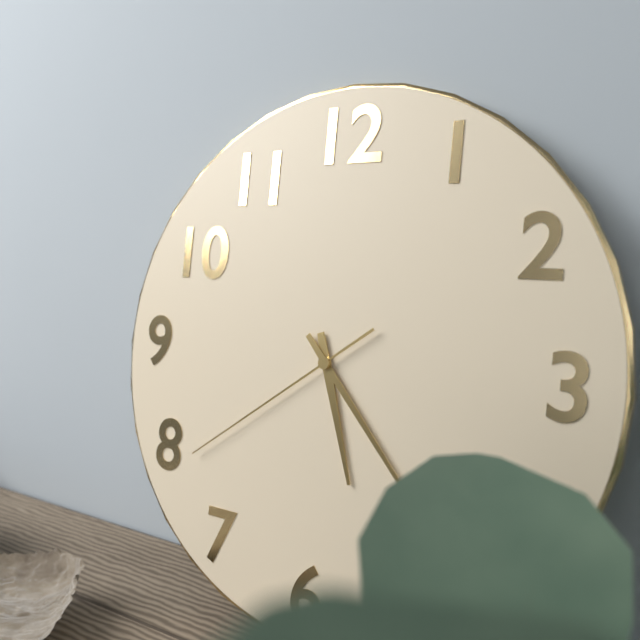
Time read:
**5:23:39**
